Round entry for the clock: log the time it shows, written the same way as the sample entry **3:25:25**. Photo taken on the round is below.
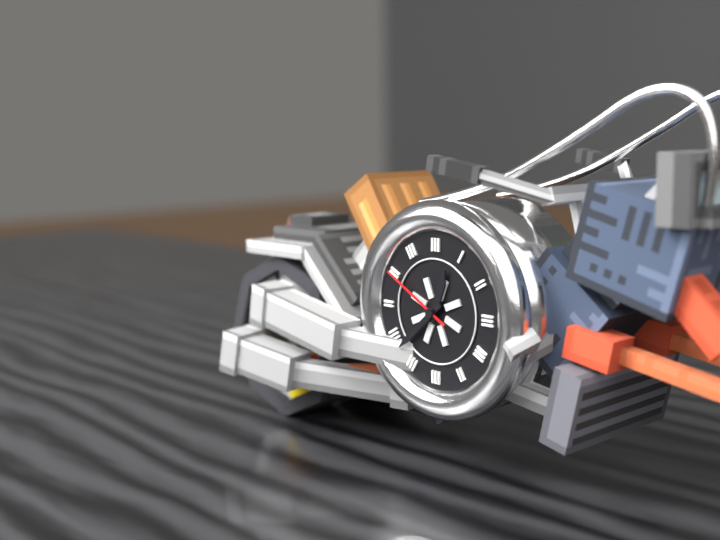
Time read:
**12:38:50**
